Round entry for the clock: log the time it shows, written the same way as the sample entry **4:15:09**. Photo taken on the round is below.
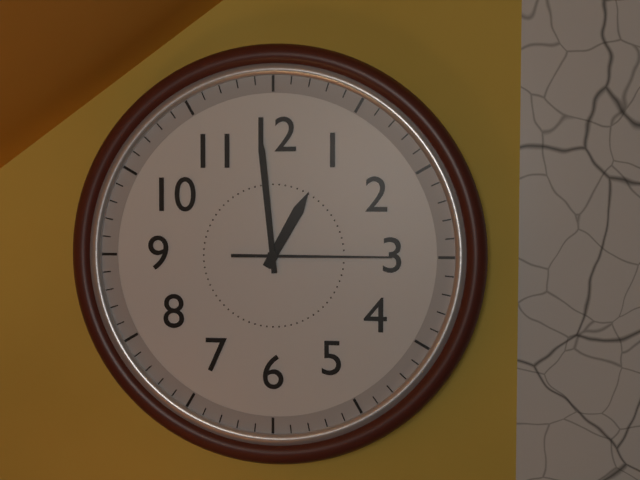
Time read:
**12:59:15**
